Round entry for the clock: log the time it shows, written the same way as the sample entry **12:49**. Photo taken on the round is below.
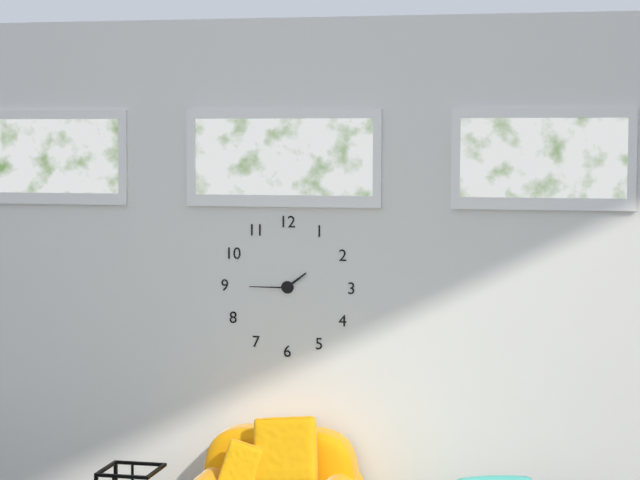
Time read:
**1:45**
